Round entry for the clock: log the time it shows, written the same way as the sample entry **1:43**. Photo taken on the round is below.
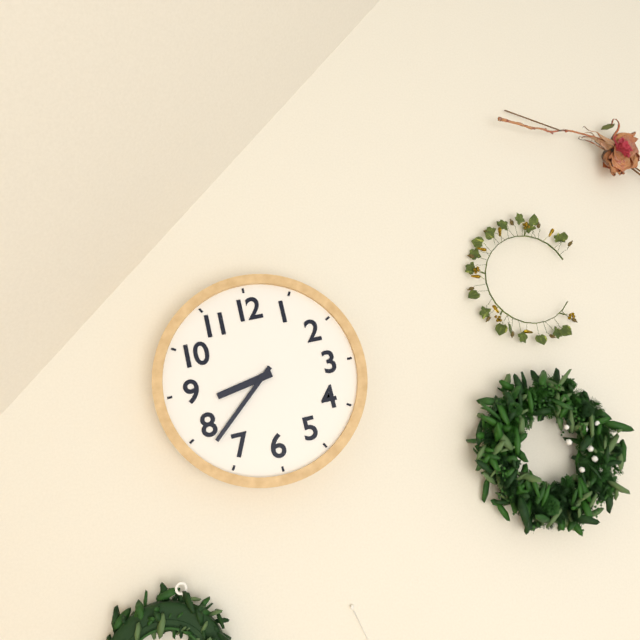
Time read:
**8:38**
